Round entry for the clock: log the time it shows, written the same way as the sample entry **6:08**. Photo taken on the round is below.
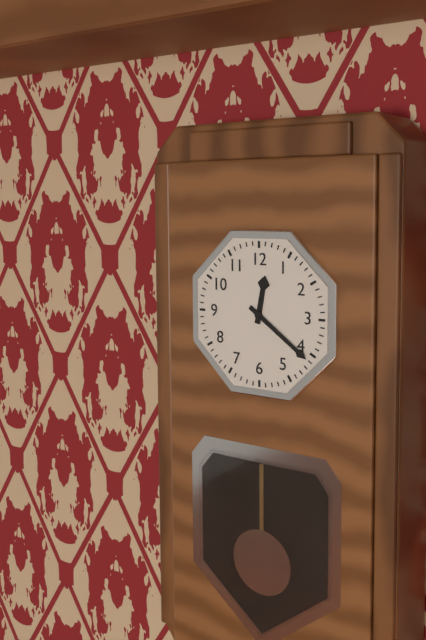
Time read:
**12:21**
